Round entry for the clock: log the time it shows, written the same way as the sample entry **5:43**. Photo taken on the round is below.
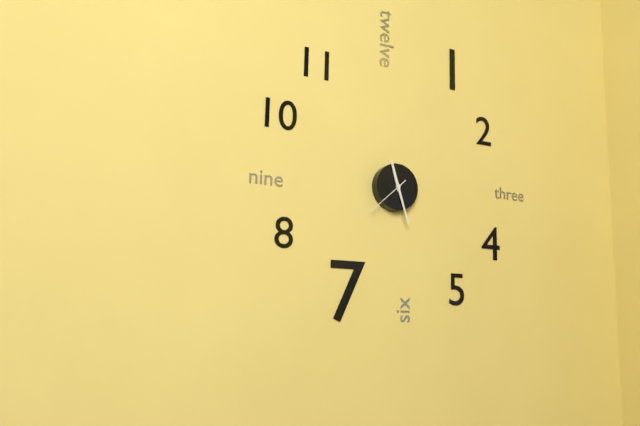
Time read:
**11:27**
